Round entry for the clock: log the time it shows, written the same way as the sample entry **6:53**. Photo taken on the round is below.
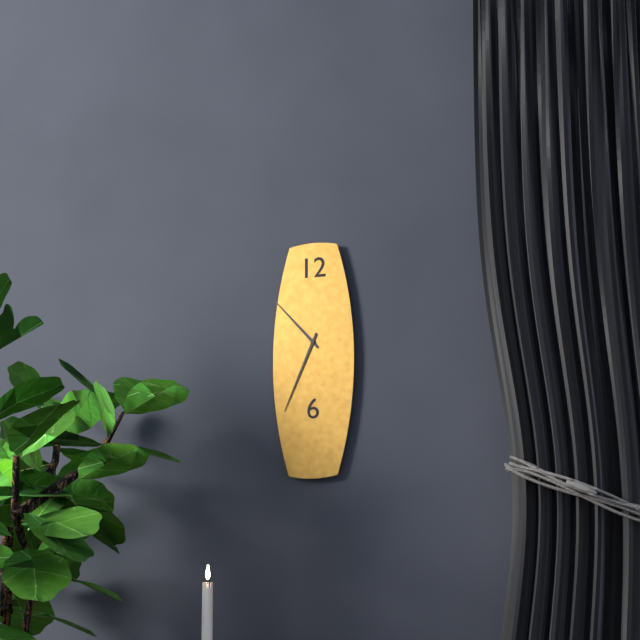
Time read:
**10:34**
